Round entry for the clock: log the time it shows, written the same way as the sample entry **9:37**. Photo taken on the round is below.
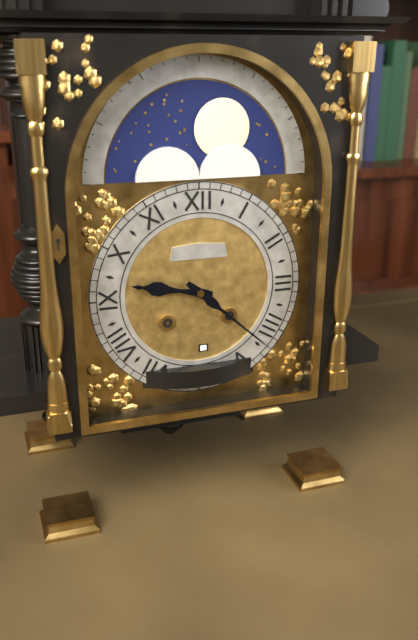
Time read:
**9:22**
